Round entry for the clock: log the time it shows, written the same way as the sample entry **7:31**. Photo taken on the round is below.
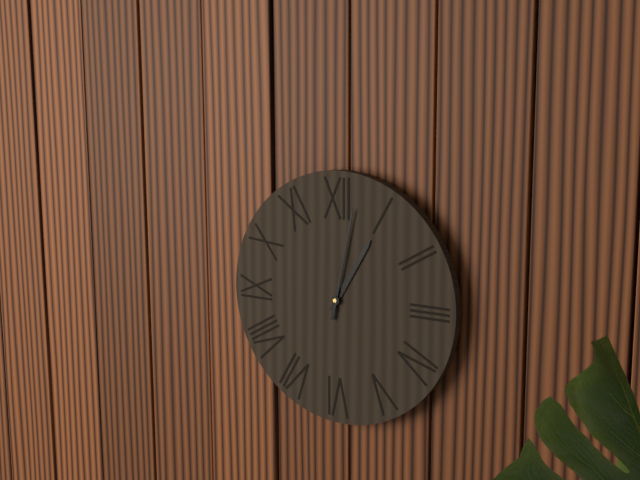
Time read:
**1:02**
